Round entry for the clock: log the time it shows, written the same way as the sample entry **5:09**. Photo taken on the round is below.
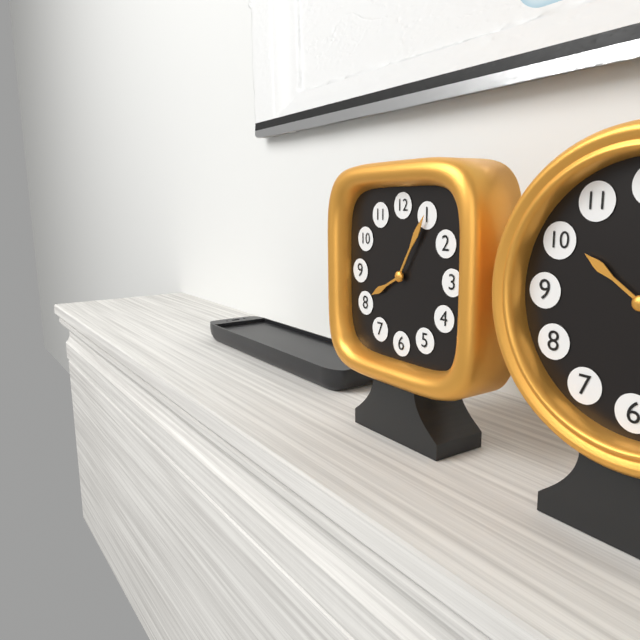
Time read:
**8:05**
